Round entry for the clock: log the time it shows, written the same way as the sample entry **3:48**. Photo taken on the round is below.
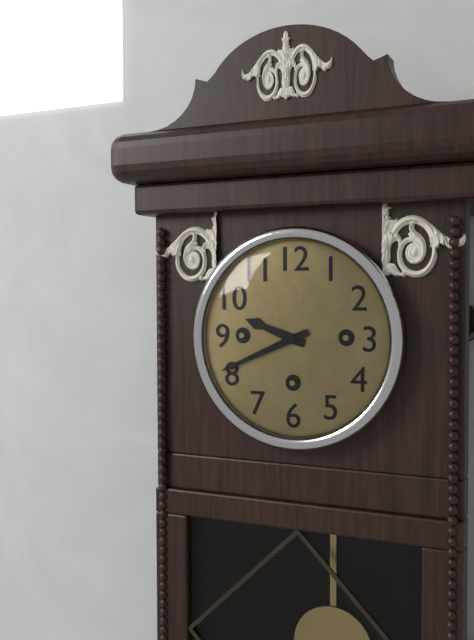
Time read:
**9:41**
